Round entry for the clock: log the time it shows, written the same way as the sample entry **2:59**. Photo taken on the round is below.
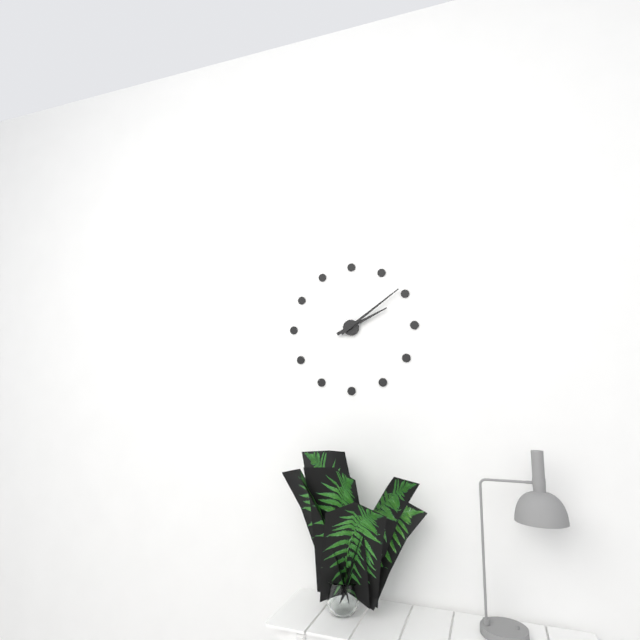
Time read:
**2:09**
